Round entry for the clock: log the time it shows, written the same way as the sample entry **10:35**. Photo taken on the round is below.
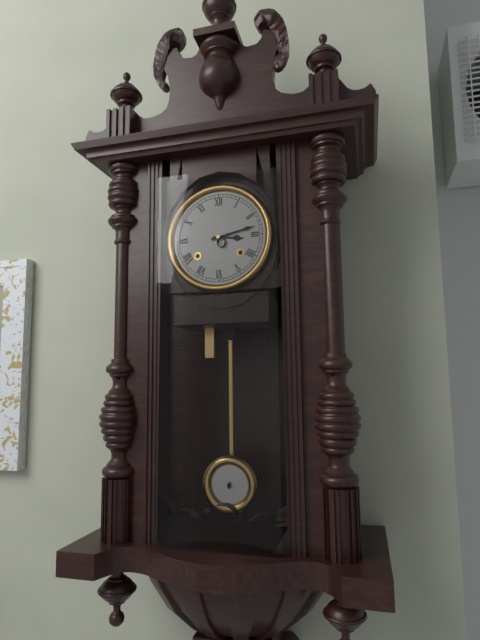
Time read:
**3:13**
